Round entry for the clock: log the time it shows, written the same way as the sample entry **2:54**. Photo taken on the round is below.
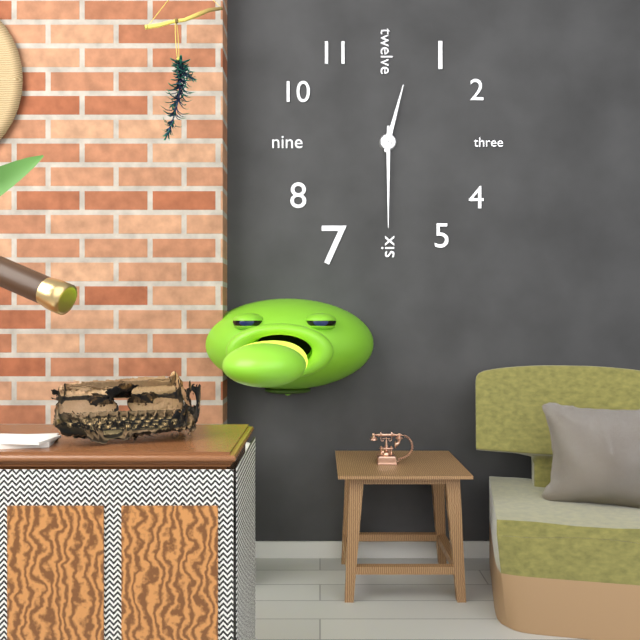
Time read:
**12:30**
